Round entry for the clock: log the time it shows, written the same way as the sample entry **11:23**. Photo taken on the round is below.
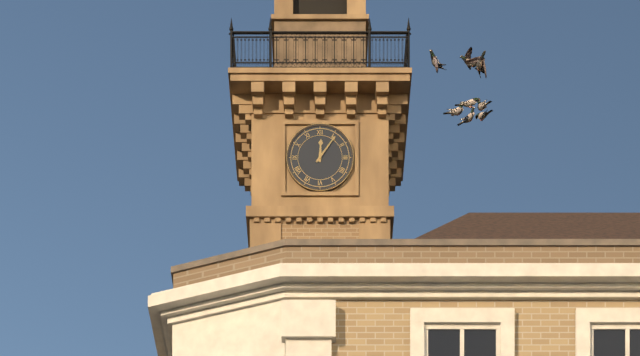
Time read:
**12:06**
